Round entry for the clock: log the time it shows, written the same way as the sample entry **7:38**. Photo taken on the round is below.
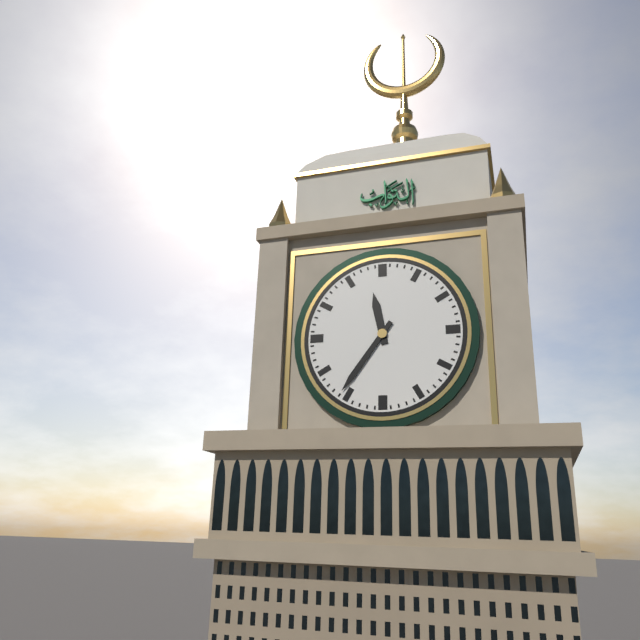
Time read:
**11:36**
